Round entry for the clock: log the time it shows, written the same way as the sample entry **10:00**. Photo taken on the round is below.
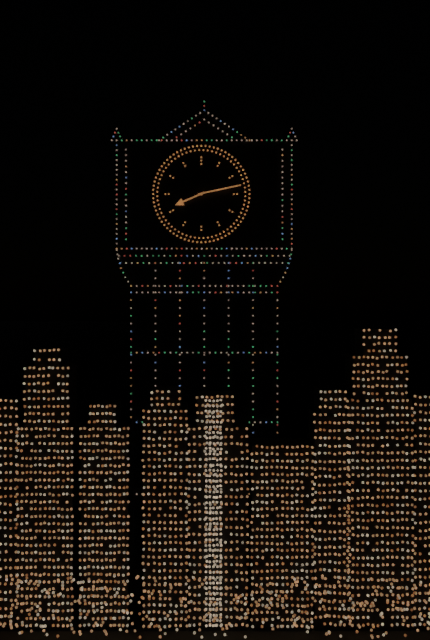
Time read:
**8:13**
